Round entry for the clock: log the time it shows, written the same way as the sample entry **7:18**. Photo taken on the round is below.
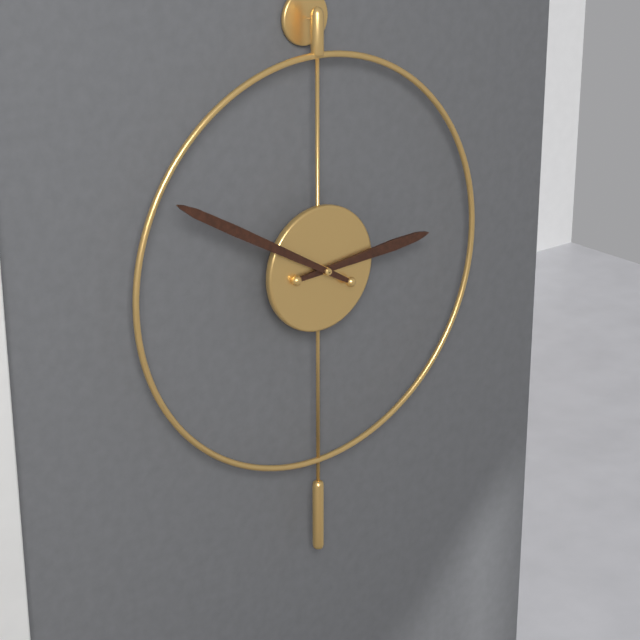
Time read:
**2:50**
